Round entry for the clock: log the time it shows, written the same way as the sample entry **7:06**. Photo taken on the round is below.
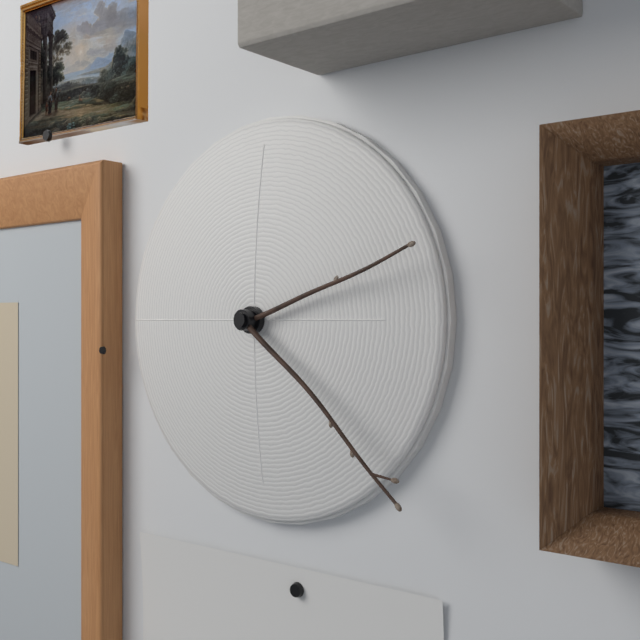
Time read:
**2:22**
